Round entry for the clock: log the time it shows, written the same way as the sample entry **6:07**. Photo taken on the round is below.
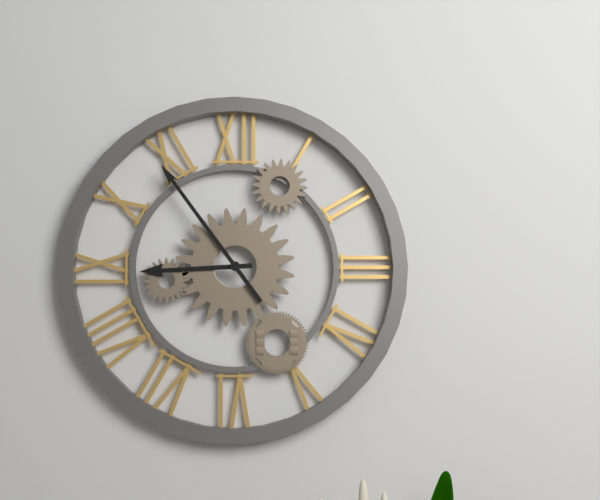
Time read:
**8:54**
